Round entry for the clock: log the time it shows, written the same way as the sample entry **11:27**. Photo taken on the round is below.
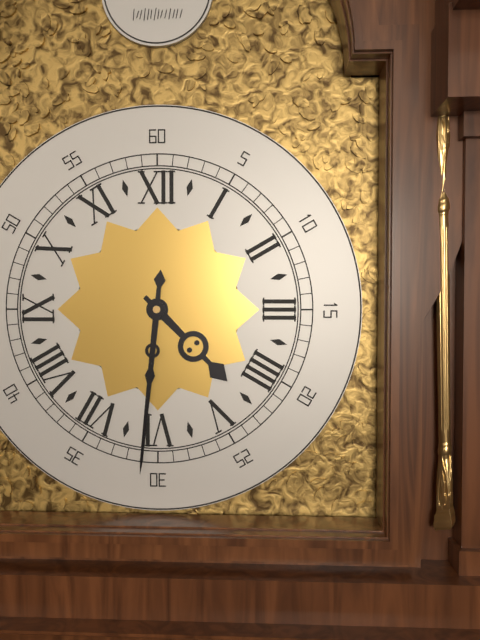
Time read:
**4:31**
